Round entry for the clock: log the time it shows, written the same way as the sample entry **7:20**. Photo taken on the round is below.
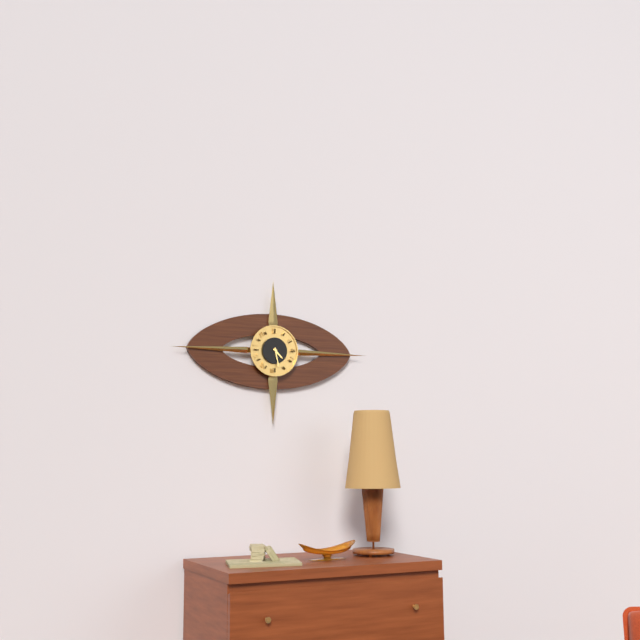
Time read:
**4:28**
